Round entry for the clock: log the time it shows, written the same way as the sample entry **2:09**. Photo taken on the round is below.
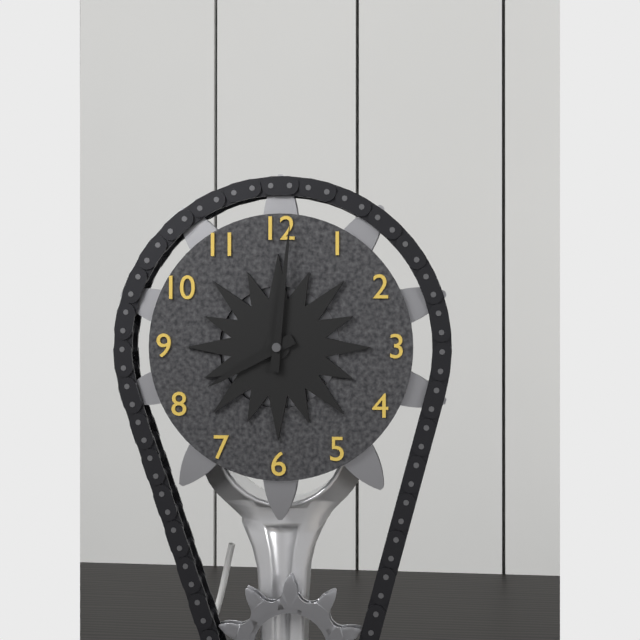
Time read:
**8:01**
